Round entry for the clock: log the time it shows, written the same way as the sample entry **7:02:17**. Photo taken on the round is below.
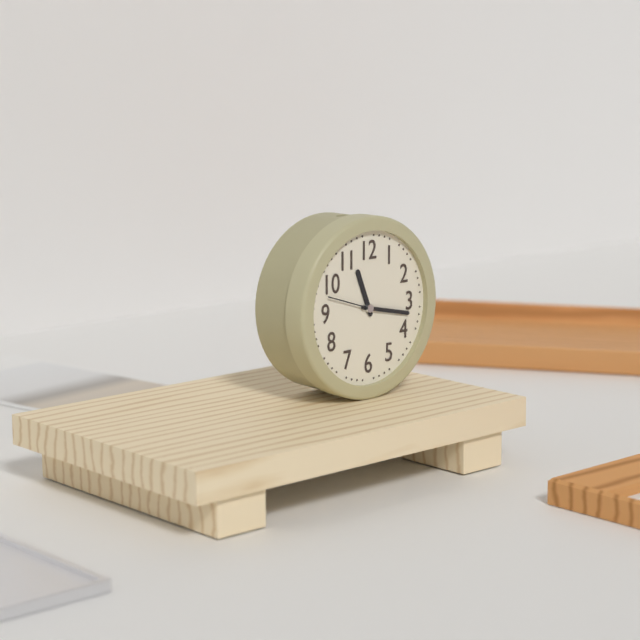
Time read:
**11:17:48**
